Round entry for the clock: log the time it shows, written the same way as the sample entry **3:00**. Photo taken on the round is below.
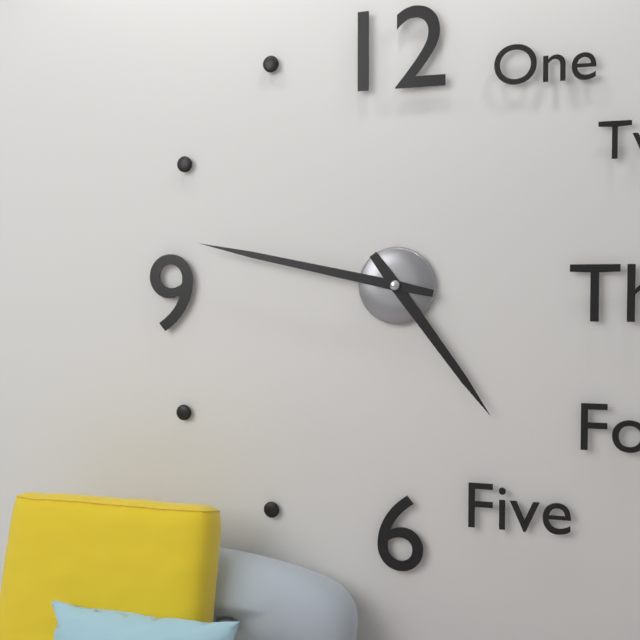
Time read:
**4:47**
